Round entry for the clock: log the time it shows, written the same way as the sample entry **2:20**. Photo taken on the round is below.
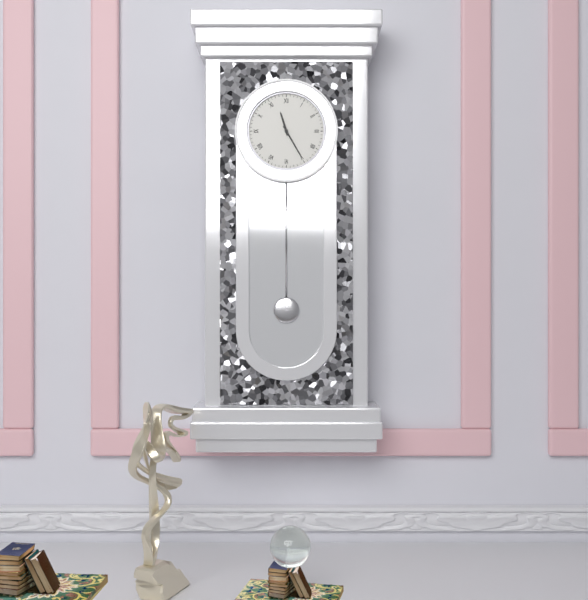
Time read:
**11:25**
